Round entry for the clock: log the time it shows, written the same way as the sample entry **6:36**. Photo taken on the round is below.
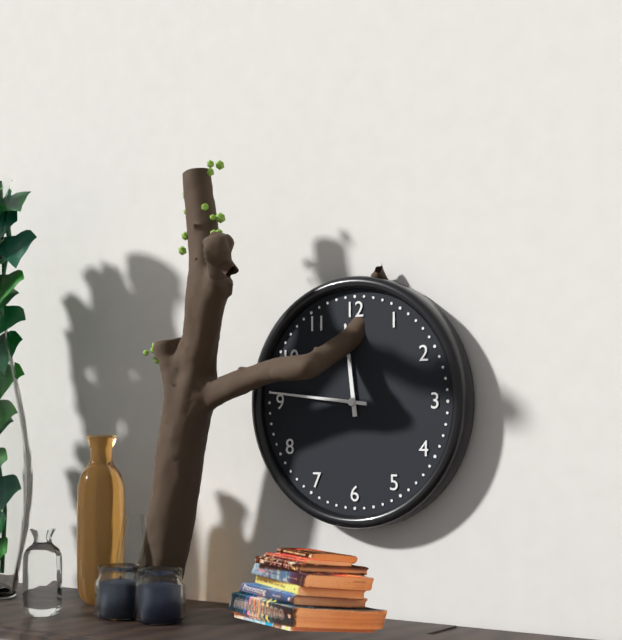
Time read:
**11:46**
